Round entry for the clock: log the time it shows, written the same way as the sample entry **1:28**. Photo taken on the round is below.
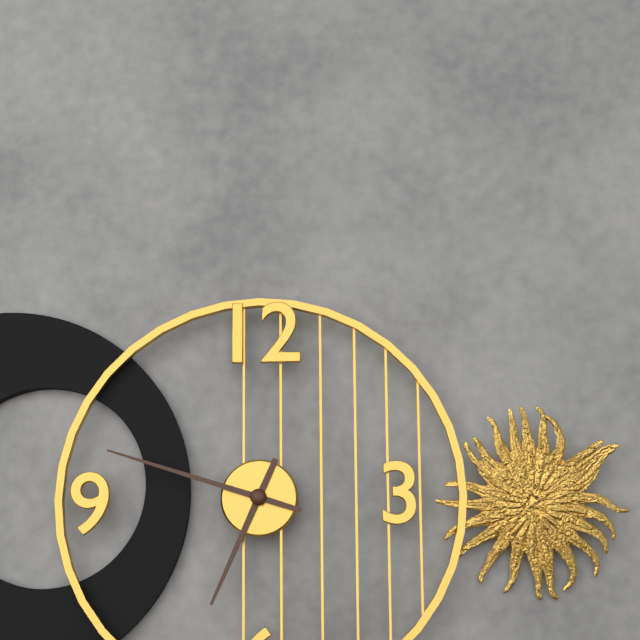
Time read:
**6:48**
